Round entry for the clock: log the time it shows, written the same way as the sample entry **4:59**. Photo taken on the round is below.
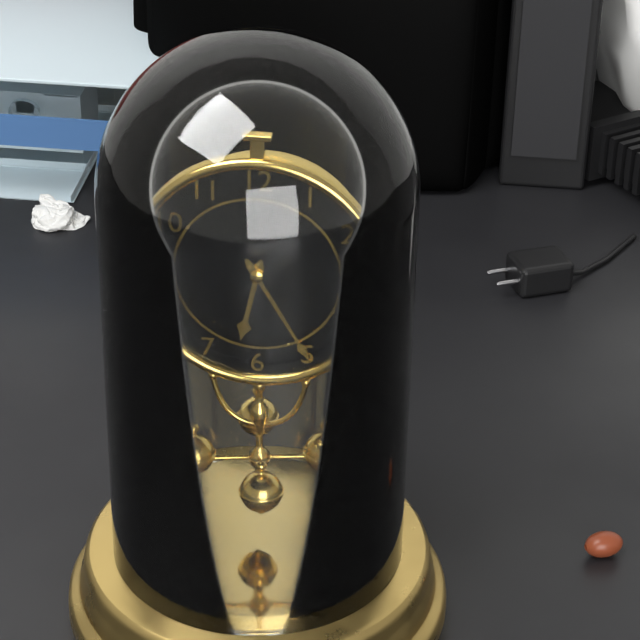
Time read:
**6:25**
